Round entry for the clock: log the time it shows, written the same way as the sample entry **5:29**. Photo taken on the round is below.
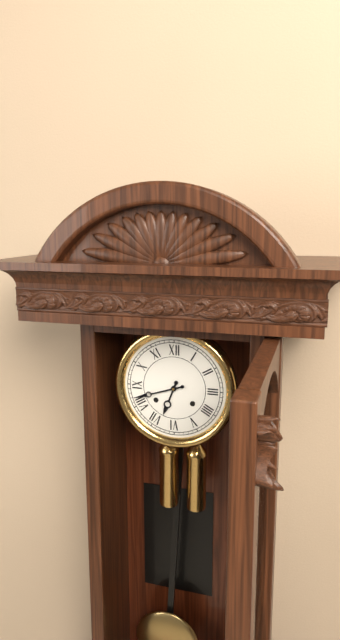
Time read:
**6:42**
